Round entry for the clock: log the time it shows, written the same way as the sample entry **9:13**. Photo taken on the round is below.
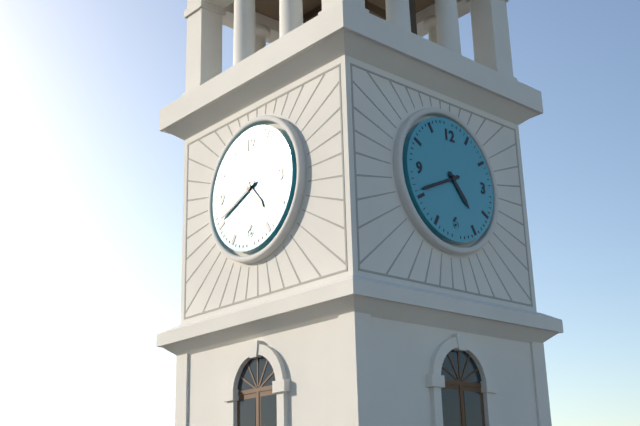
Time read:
**4:41**
